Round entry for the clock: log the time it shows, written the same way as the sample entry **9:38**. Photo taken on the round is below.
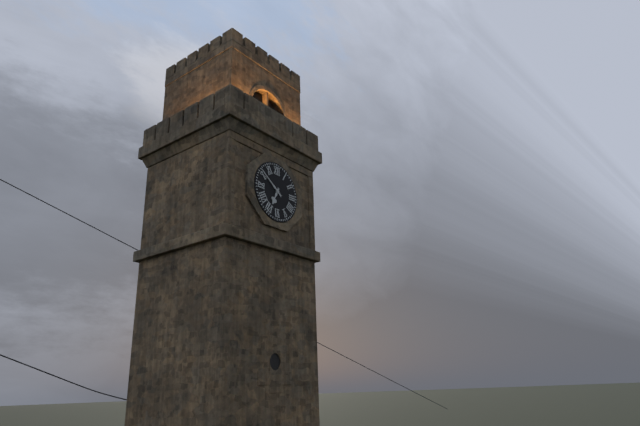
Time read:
**6:51**
